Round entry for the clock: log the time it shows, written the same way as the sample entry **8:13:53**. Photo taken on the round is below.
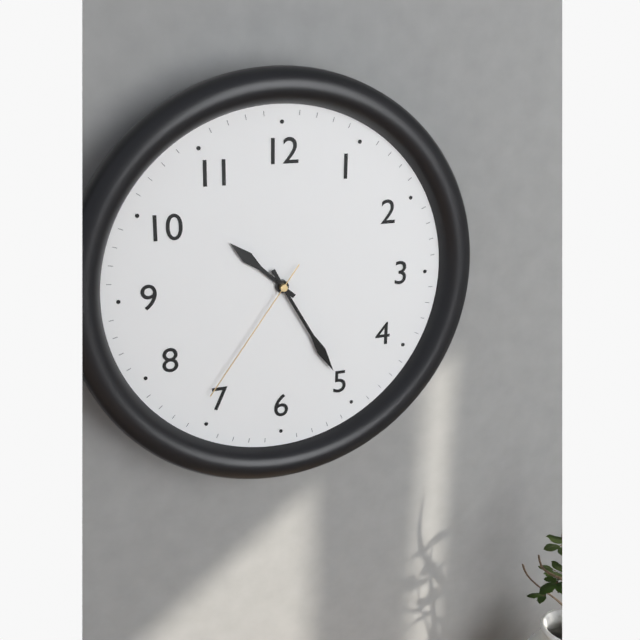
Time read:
**10:25:36**
